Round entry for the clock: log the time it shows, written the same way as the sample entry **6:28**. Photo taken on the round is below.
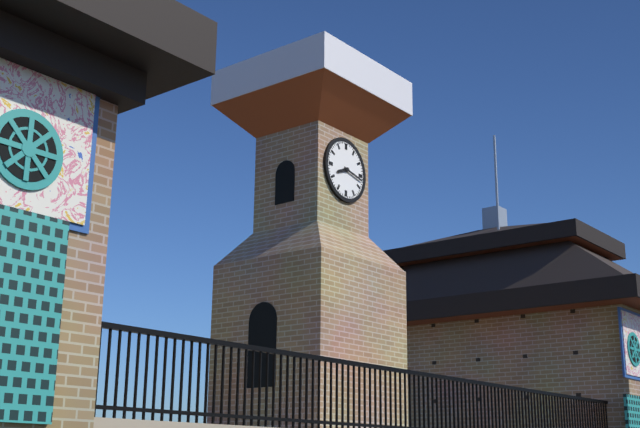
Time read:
**8:17**
